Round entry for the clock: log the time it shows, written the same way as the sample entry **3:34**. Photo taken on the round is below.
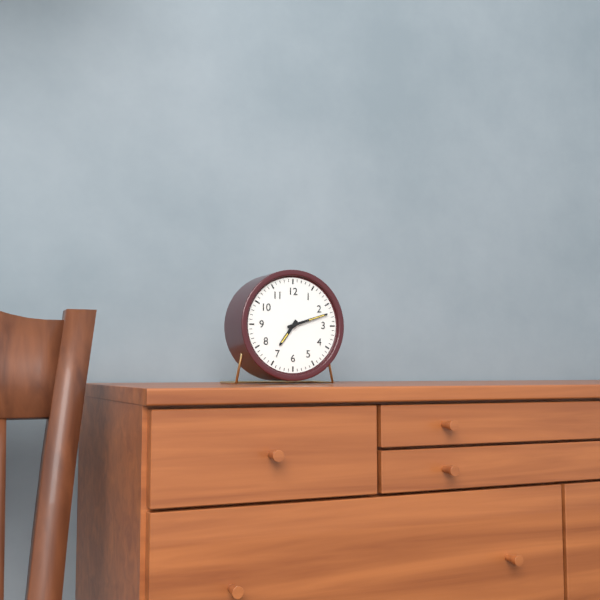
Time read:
**7:12**
